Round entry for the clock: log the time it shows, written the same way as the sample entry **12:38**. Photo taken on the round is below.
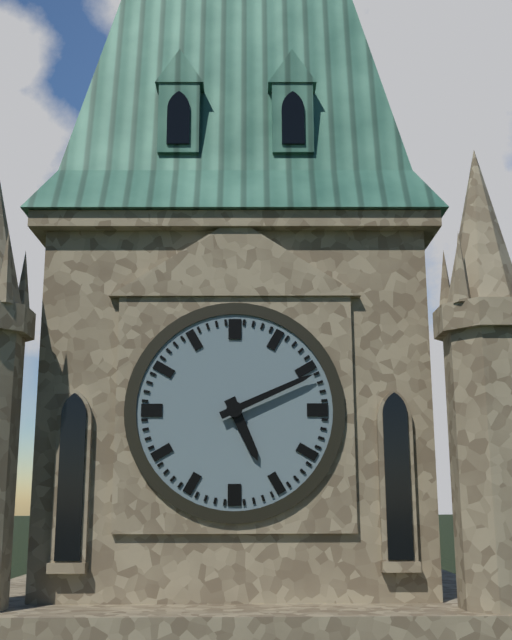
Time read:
**5:11**
